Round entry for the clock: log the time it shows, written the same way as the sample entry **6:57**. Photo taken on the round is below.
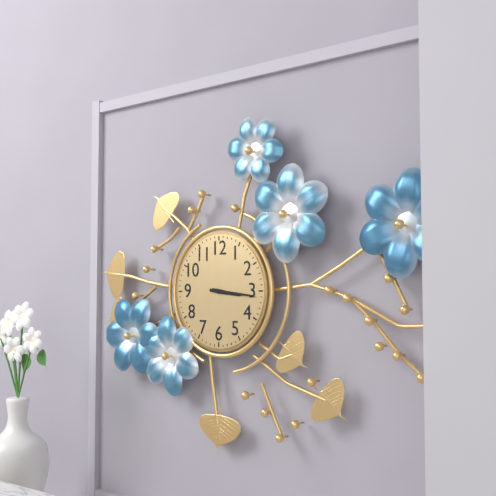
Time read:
**3:16**
